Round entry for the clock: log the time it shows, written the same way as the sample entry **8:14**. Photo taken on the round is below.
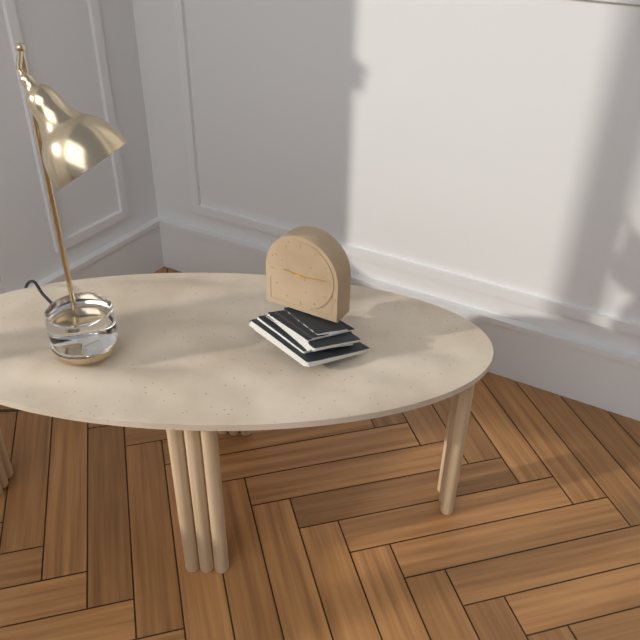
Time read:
**9:14**
